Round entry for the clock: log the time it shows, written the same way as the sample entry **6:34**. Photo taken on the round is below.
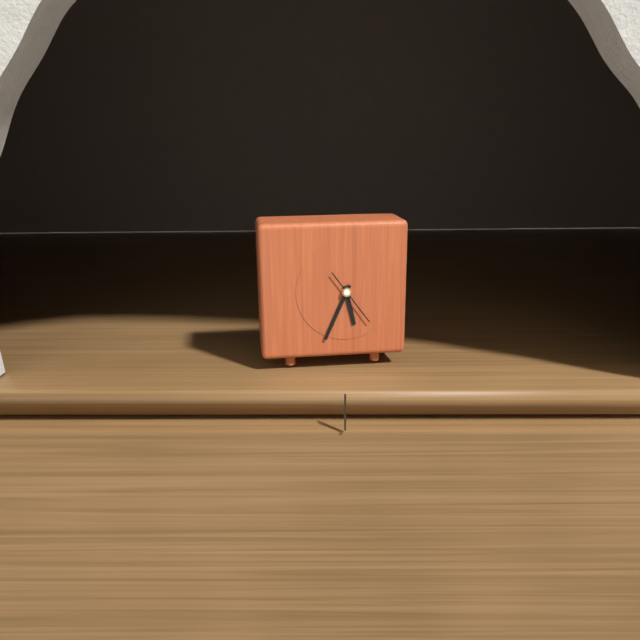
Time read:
**5:34**
